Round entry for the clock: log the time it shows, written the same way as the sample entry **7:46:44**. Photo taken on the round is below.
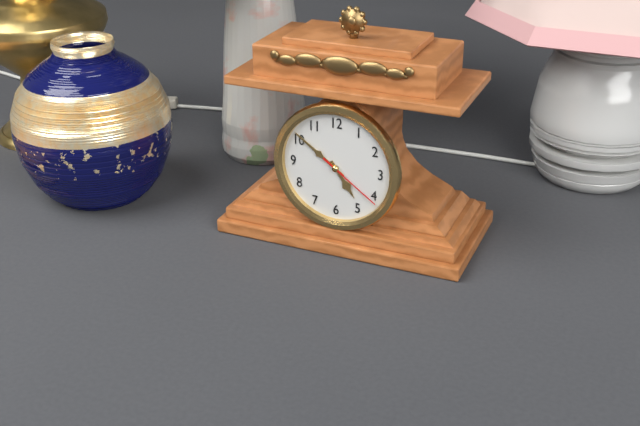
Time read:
**4:51:21**
